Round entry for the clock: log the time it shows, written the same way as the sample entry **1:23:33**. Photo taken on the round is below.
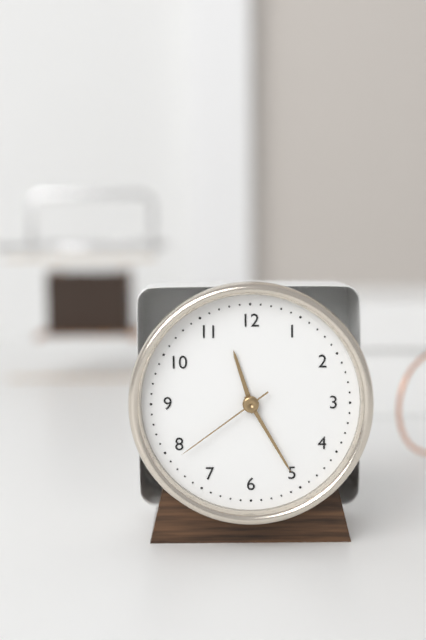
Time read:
**11:25:39**
